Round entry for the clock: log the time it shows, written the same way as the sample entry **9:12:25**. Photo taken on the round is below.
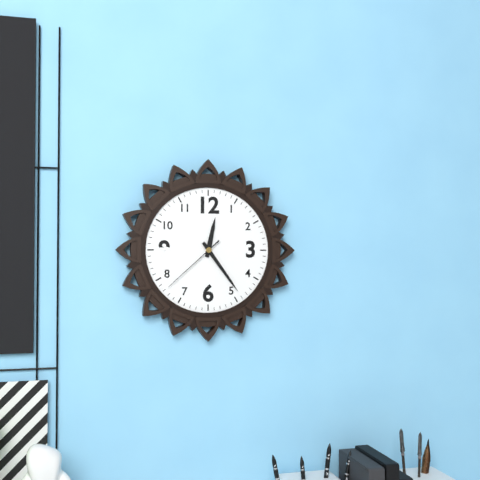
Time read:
**12:24:38**
